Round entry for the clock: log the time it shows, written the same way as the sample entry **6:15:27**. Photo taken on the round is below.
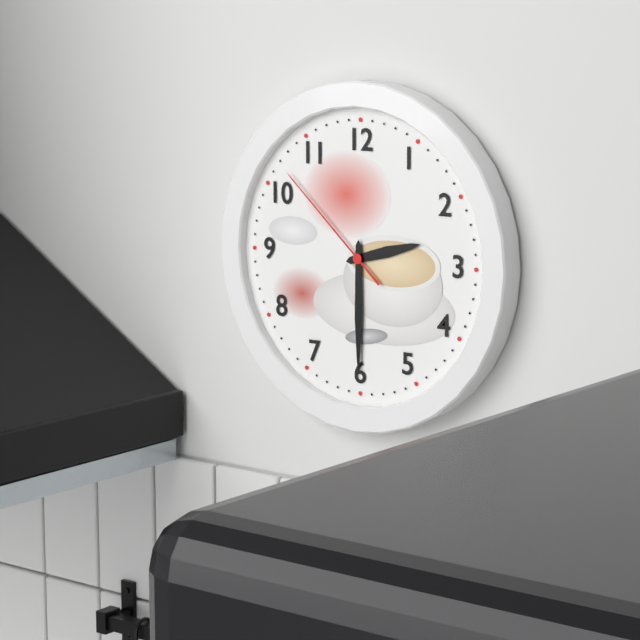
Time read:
**2:30:52**
